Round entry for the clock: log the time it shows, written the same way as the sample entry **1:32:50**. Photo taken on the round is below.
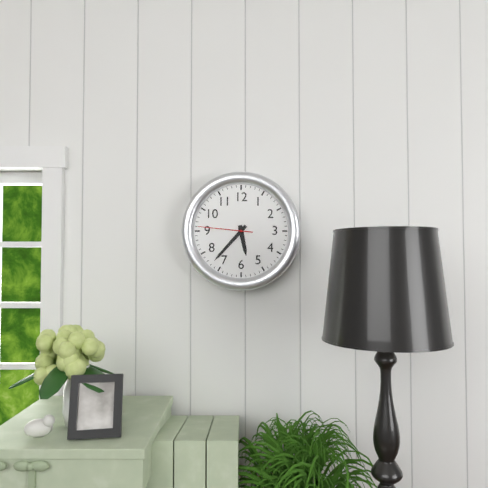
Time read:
**5:37:46**
